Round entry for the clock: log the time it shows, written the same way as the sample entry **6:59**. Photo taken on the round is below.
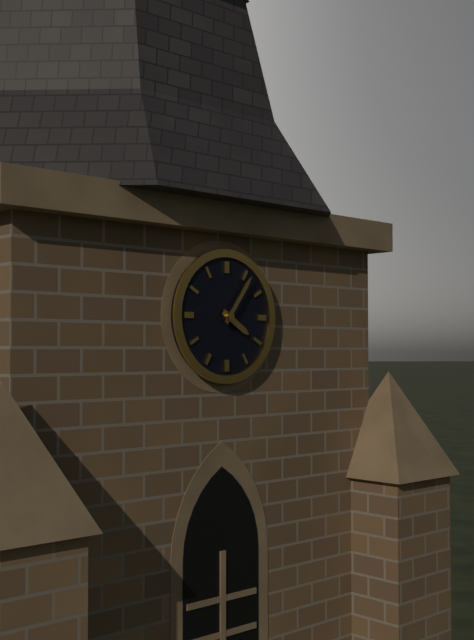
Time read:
**4:06**
